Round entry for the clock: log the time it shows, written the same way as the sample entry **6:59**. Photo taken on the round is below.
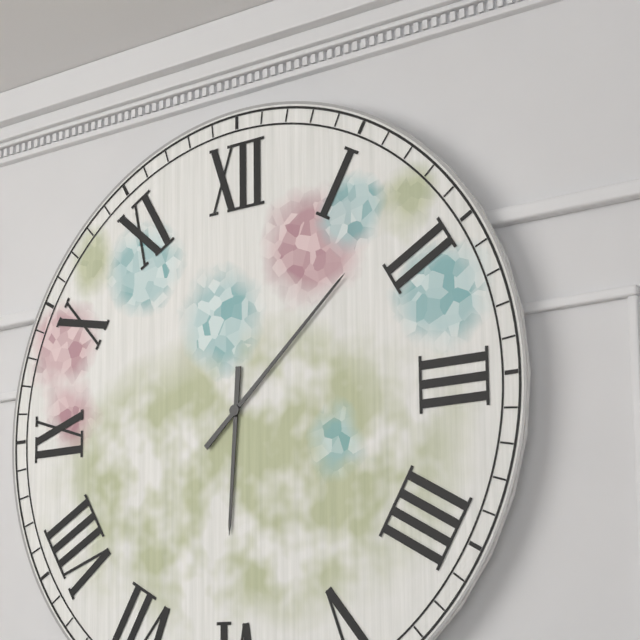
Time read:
**6:08**
